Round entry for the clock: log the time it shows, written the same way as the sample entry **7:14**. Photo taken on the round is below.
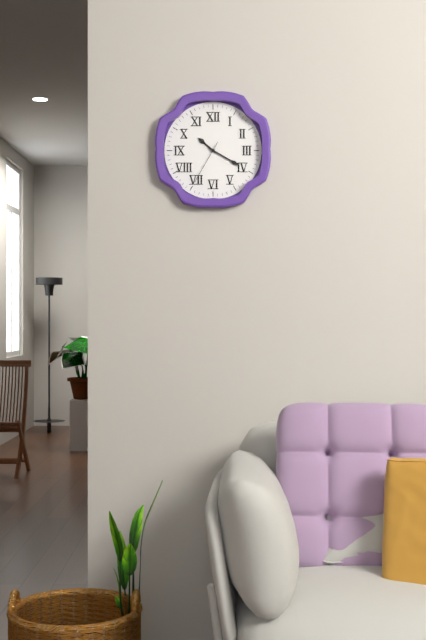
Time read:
**10:20**
